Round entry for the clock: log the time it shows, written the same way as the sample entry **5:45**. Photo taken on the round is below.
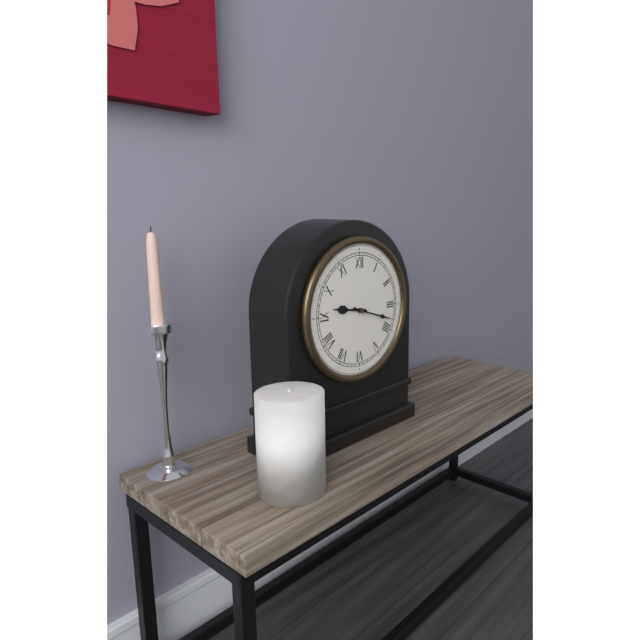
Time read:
**9:18**
